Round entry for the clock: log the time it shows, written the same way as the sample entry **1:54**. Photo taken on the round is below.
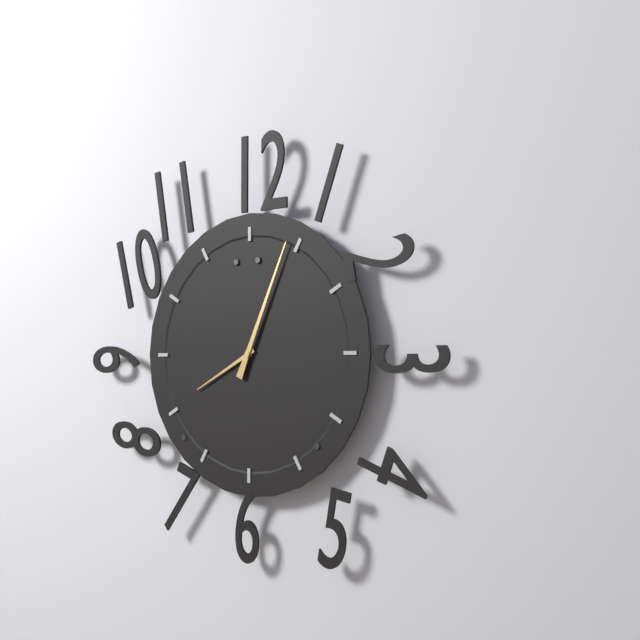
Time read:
**8:04**
